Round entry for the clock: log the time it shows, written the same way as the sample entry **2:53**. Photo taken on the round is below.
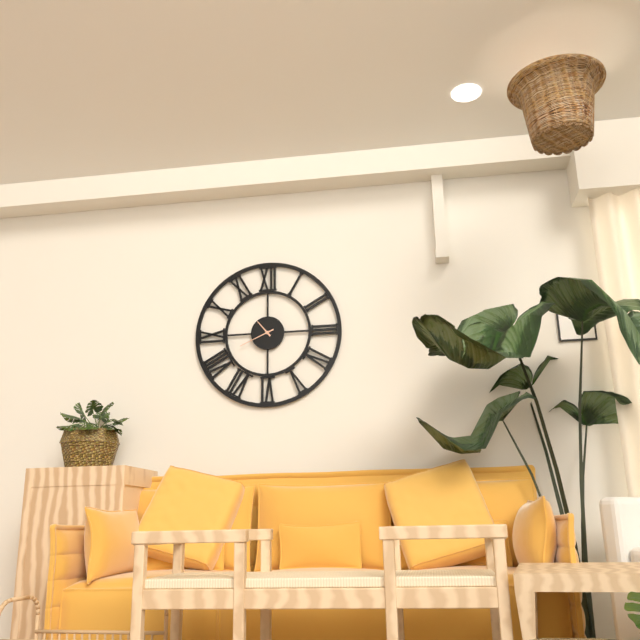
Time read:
**10:41**
